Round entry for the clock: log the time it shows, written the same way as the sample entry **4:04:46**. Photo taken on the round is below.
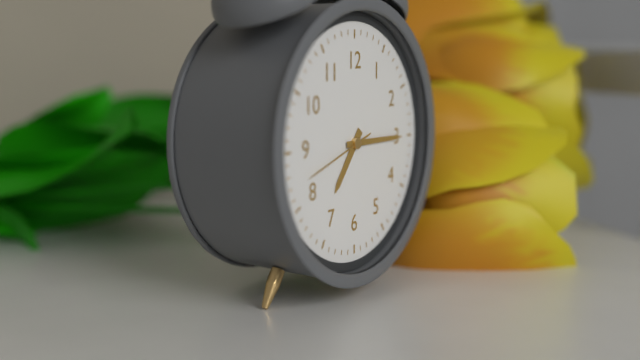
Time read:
**7:15:42**
